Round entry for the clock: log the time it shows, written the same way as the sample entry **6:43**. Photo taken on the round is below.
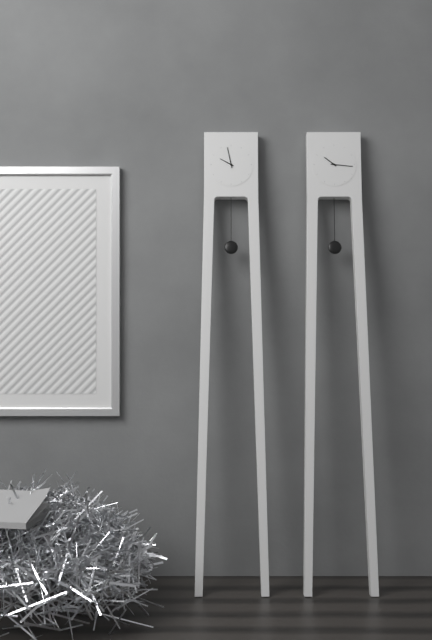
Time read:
**9:58**
